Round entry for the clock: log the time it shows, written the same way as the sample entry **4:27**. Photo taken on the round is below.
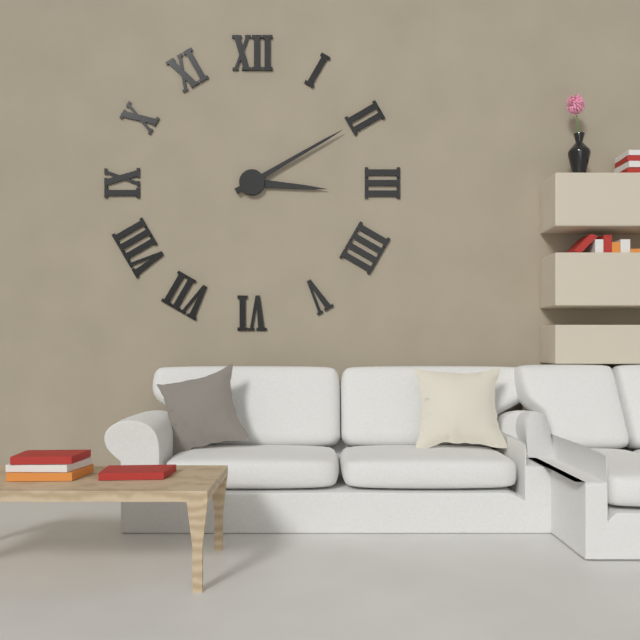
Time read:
**3:10**
